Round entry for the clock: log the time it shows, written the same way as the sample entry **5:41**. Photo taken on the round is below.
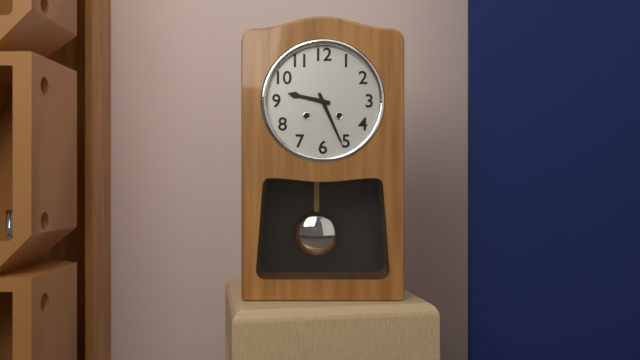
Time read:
**9:26**
